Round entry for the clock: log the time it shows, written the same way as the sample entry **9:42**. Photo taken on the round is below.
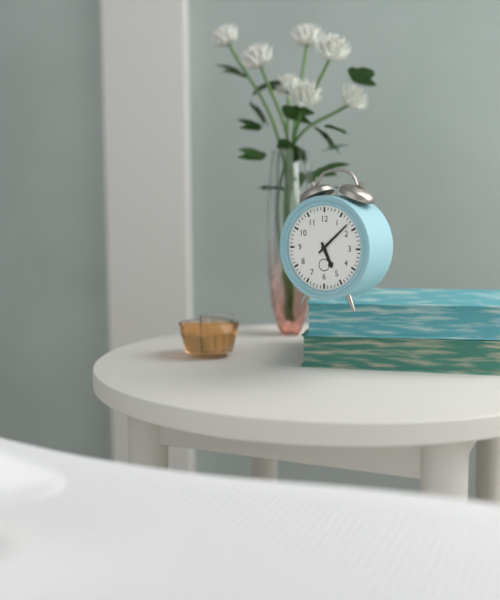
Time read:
**5:08**
